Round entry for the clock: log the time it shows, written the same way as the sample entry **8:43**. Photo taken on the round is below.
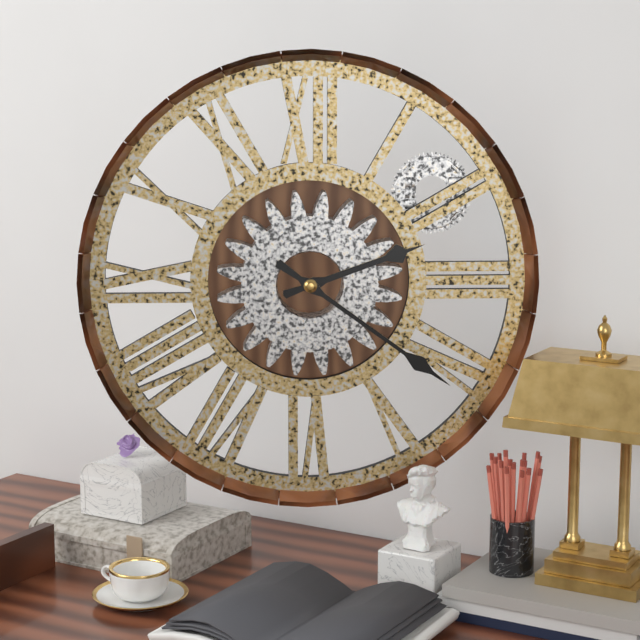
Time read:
**2:21**
